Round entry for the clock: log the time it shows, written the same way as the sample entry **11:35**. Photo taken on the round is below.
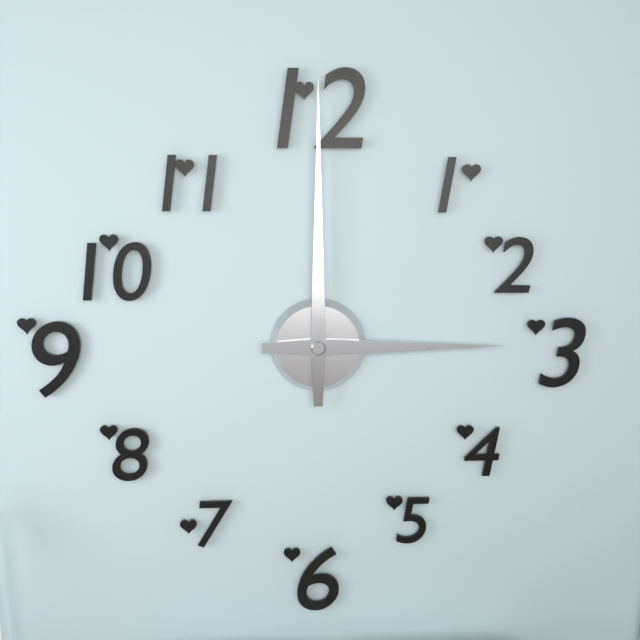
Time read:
**3:00**
